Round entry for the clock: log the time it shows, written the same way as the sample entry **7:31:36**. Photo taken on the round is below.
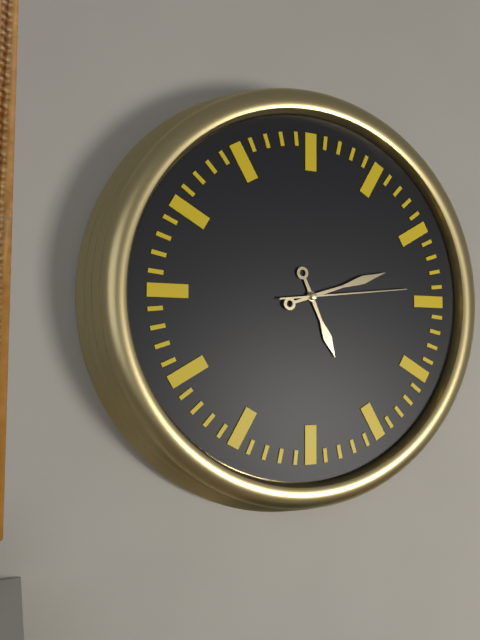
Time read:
**5:12:14**
